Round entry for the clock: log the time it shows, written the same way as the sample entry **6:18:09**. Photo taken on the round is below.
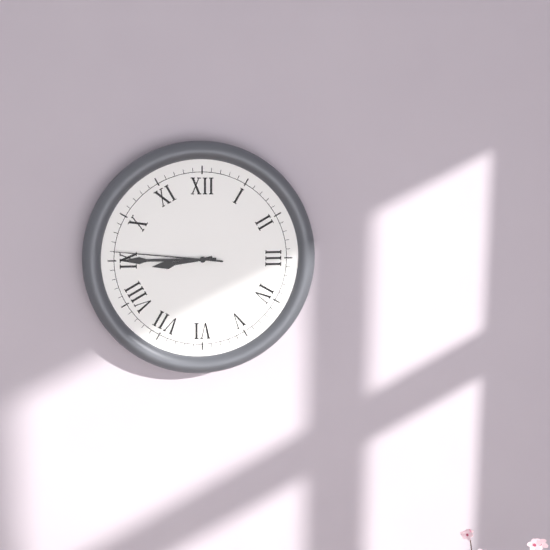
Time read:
**8:45:46**
